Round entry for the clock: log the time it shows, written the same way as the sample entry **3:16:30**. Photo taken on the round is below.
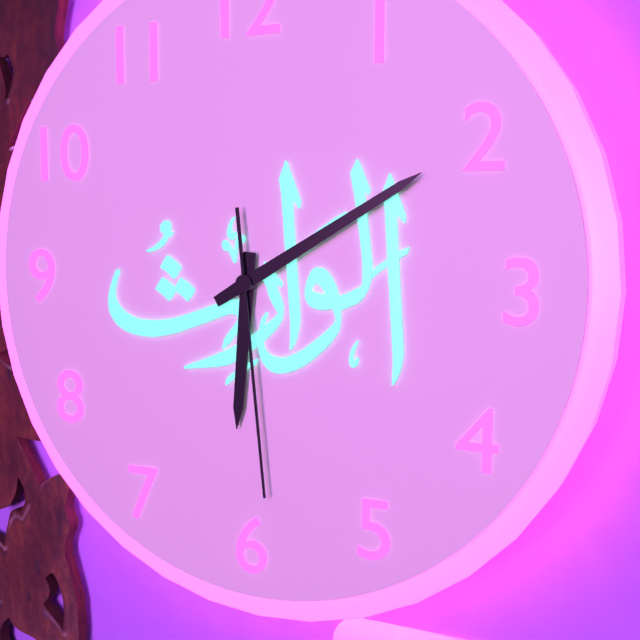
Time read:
**6:10:29**
